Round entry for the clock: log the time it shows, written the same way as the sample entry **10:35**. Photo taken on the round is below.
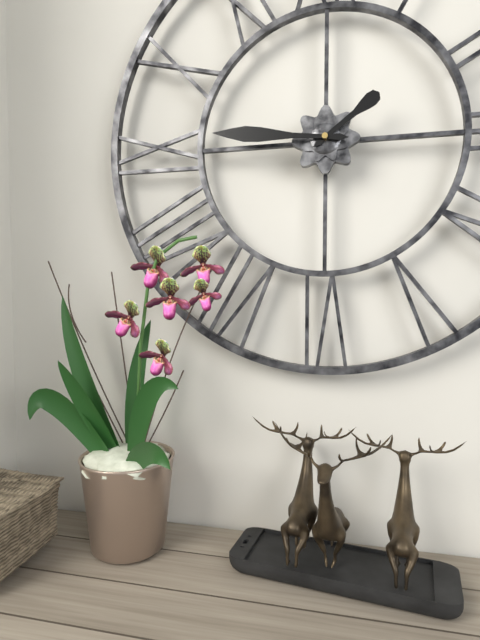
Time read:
**1:46**
